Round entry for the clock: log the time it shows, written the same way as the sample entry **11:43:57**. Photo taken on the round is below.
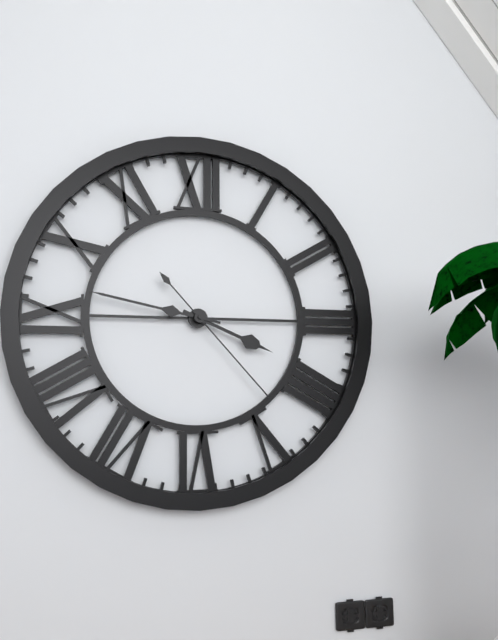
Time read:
**3:47:23**
